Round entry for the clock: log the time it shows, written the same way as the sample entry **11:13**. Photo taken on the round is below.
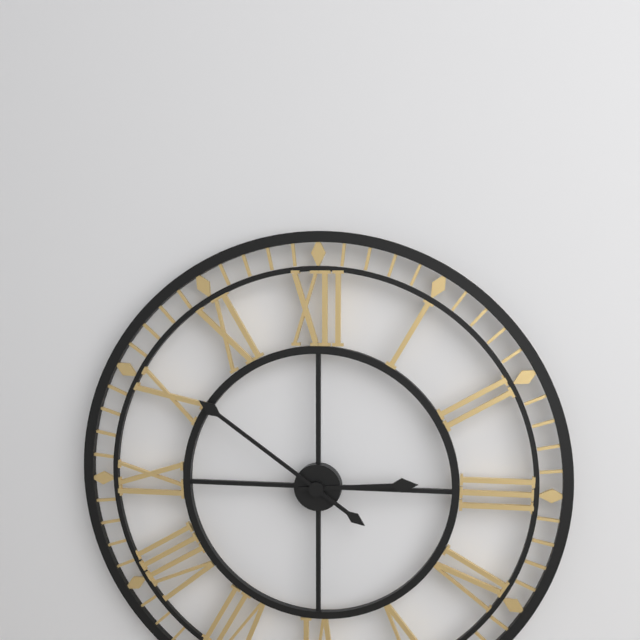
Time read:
**2:51**
